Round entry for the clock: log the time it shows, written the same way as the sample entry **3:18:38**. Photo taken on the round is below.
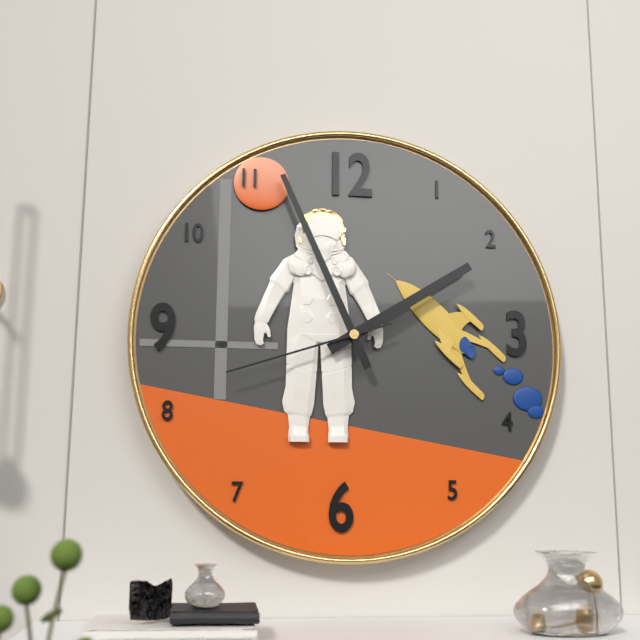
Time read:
**1:56:42**
